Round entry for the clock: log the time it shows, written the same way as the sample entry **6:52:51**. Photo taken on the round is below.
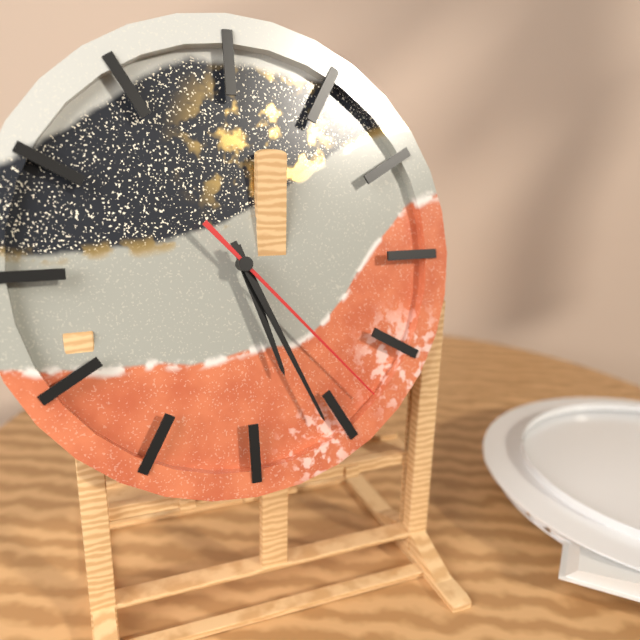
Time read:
**5:26:23**
